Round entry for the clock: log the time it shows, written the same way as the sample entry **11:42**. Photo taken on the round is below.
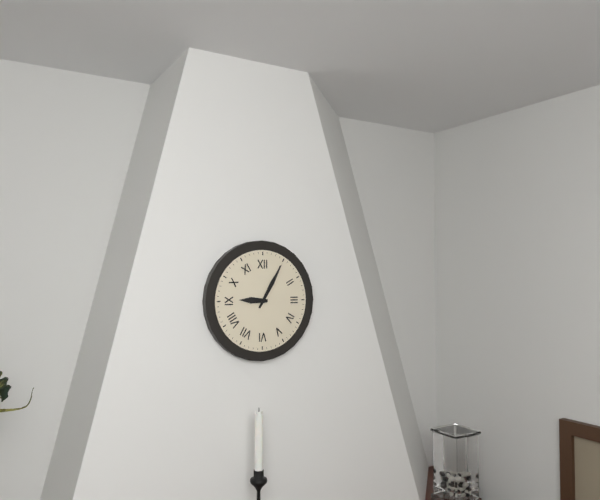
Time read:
**9:05**
